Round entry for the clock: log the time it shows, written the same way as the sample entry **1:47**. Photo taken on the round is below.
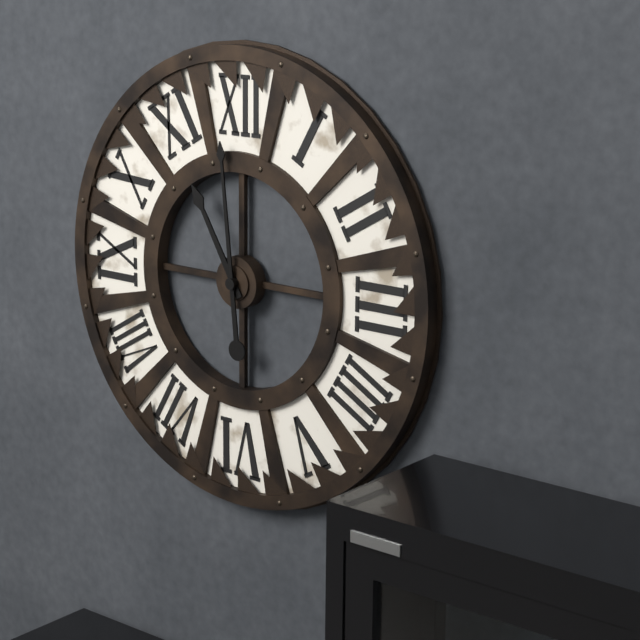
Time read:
**10:59**
